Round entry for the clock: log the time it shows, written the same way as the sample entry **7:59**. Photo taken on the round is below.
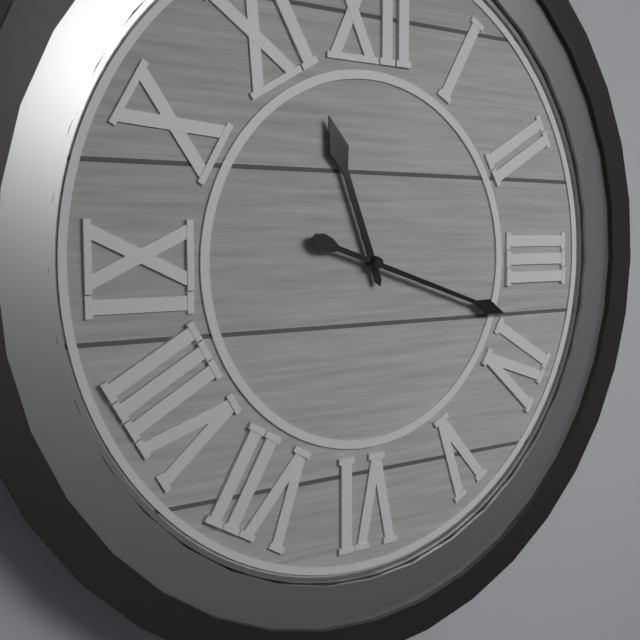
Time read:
**11:18**
